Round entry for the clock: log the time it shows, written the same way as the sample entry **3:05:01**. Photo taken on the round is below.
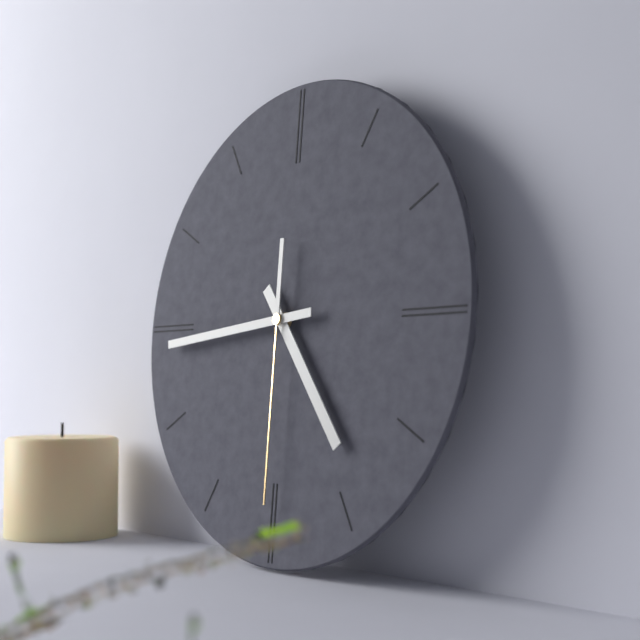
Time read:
**4:44:30**
